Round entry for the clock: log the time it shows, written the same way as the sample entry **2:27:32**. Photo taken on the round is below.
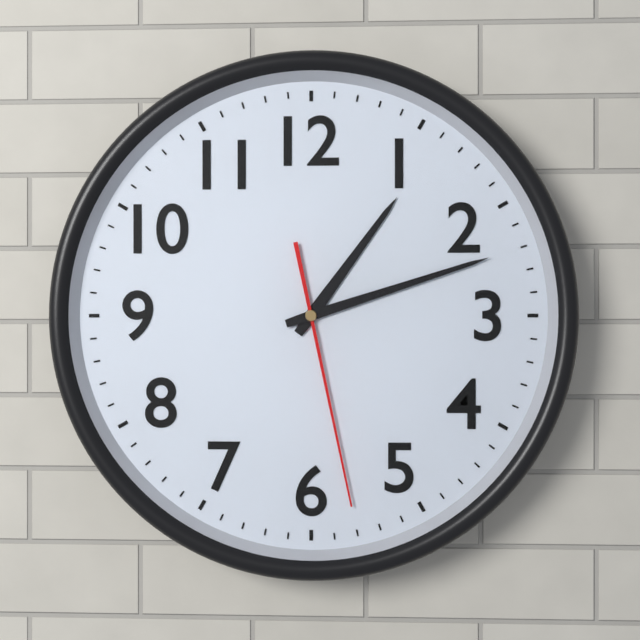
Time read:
**1:12:28**
